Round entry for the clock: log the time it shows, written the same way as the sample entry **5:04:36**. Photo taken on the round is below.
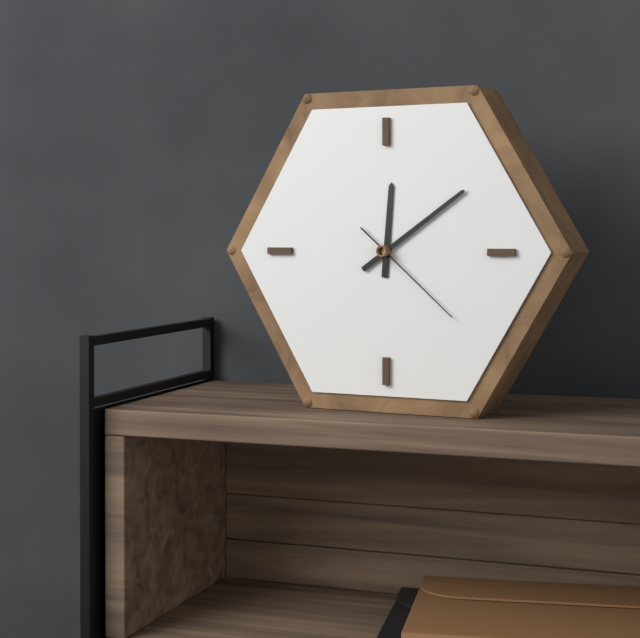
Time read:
**12:09:22**
